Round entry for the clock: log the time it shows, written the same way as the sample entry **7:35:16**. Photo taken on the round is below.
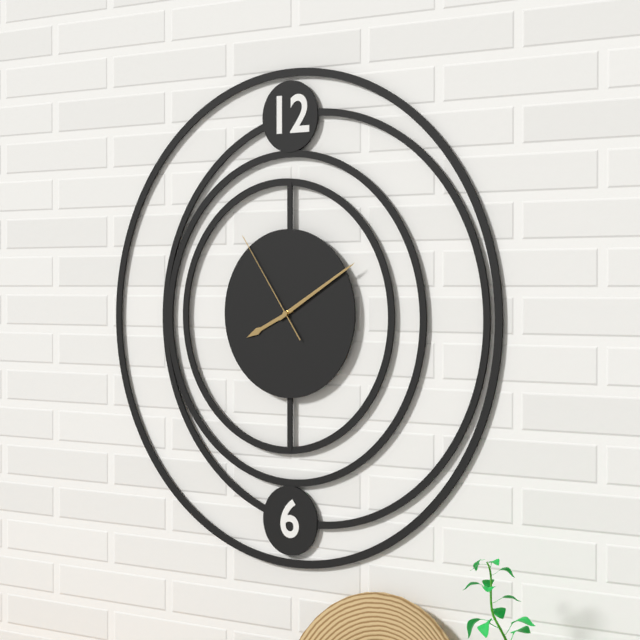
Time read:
**8:10:54**
